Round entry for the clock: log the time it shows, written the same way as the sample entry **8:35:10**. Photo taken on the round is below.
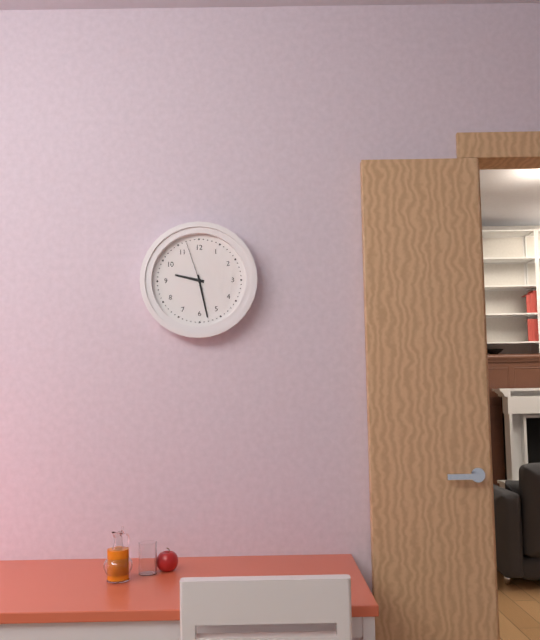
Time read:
**9:28:57**
